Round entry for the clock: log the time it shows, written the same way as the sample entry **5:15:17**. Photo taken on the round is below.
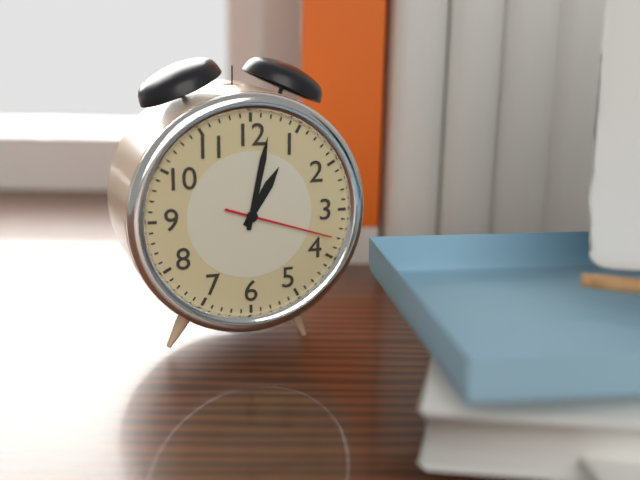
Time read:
**1:02:18**
